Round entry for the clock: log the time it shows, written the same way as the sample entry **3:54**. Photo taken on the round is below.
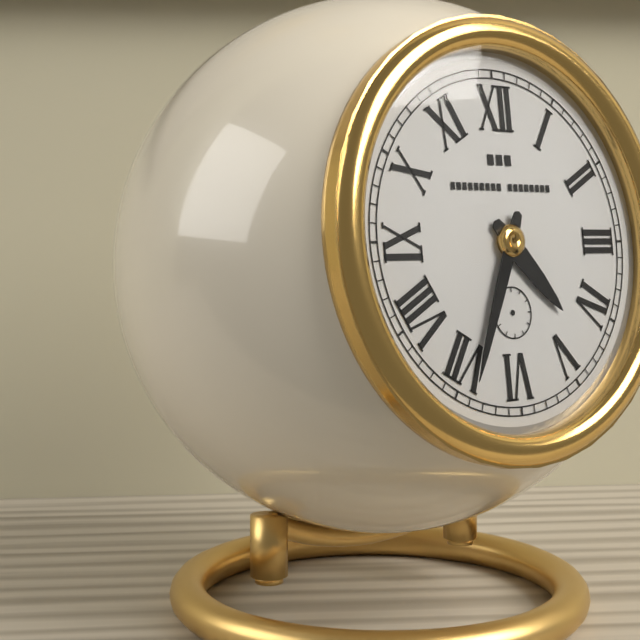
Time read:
**4:34**
